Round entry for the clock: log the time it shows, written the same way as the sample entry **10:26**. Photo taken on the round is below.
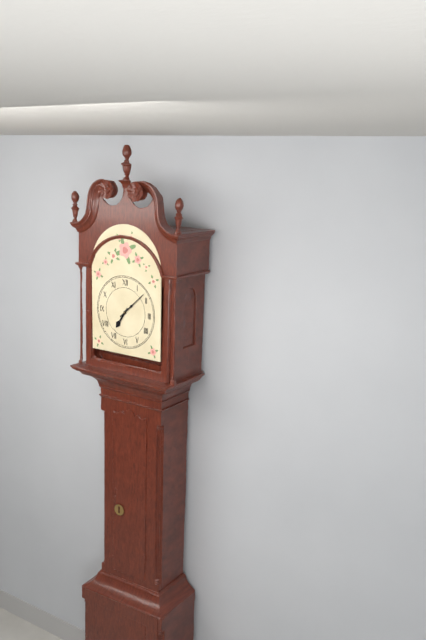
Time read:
**7:08**
